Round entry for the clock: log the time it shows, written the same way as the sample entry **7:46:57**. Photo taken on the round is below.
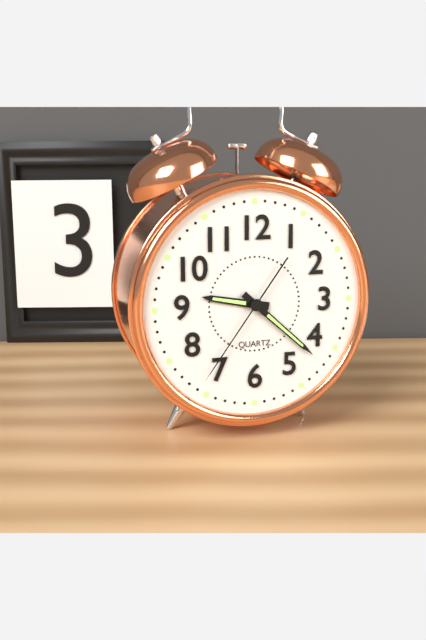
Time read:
**9:22:36**
